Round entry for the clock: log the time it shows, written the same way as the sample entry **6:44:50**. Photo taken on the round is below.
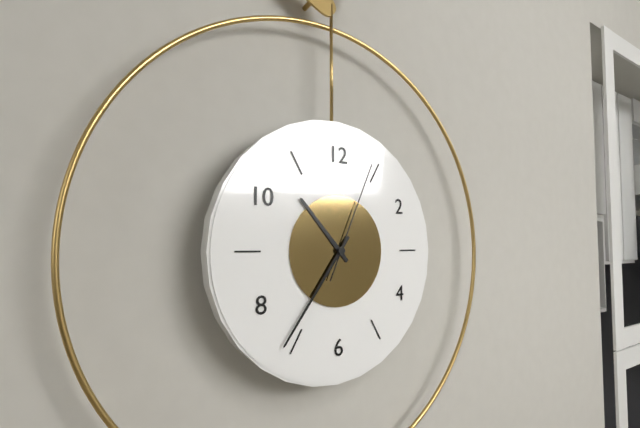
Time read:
**10:36:04**
